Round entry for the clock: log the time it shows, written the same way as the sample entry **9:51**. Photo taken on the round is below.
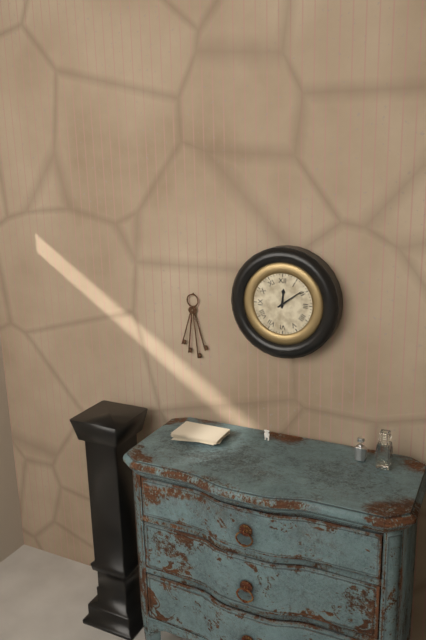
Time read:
**12:09**
